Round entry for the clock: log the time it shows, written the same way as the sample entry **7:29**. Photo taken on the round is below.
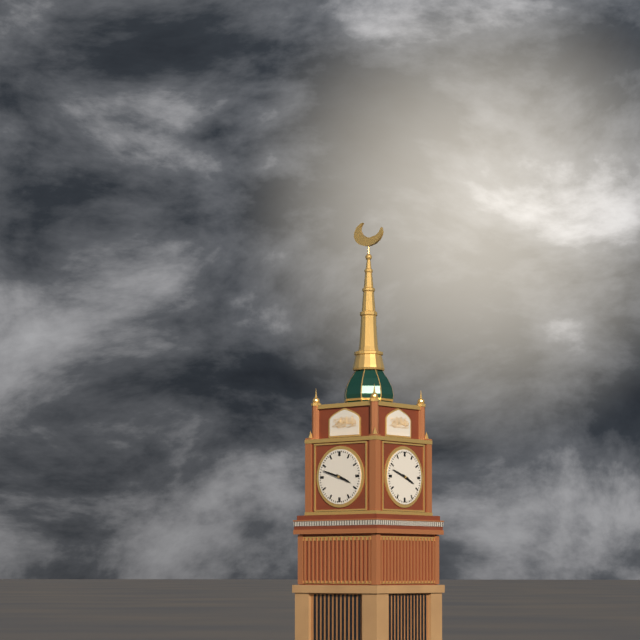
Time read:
**3:48**
